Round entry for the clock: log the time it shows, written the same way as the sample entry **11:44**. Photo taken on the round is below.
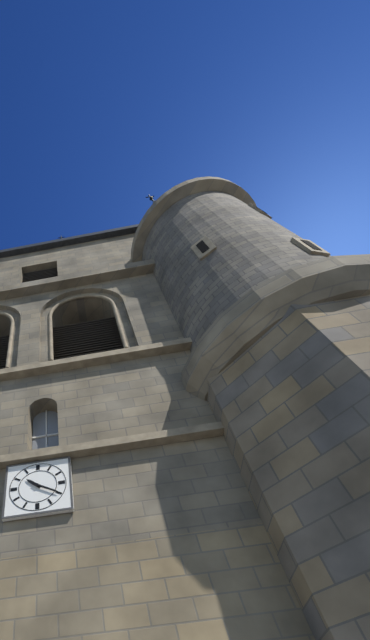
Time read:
**10:20**
